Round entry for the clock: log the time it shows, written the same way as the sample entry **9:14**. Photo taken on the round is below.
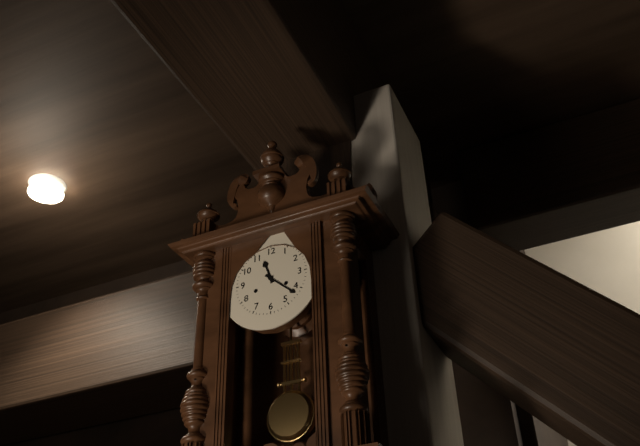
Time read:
**11:22**
